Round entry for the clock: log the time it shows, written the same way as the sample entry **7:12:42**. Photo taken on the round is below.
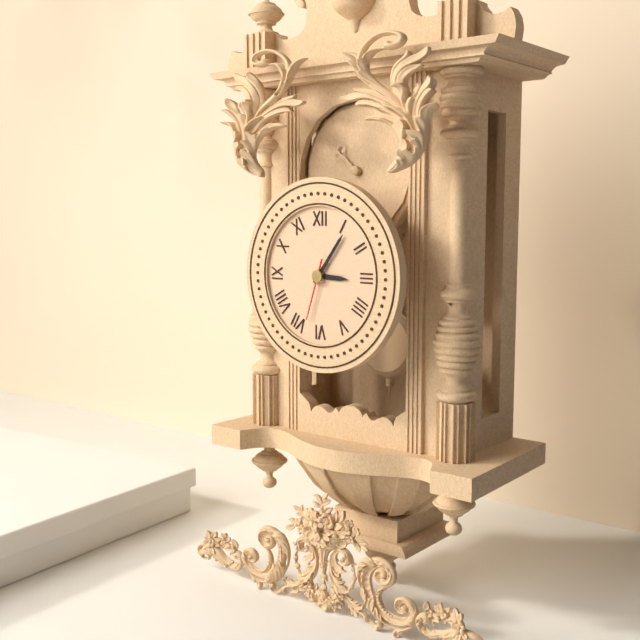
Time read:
**3:06:33**
